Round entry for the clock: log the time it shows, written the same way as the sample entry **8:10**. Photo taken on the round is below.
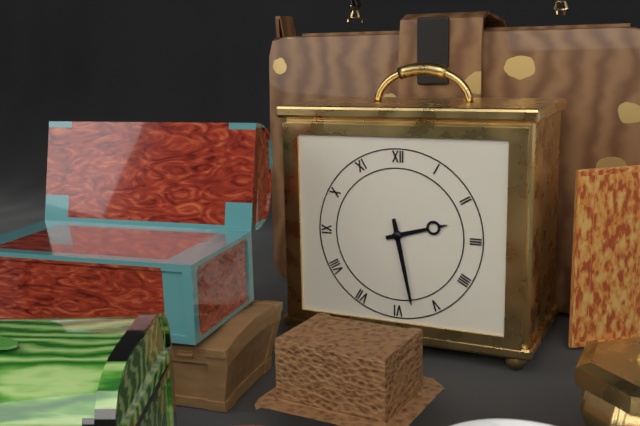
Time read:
**2:28**
